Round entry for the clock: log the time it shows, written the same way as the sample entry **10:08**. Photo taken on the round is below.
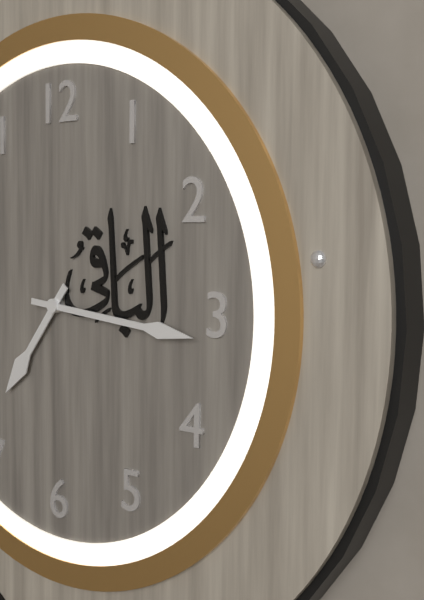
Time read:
**7:16**
